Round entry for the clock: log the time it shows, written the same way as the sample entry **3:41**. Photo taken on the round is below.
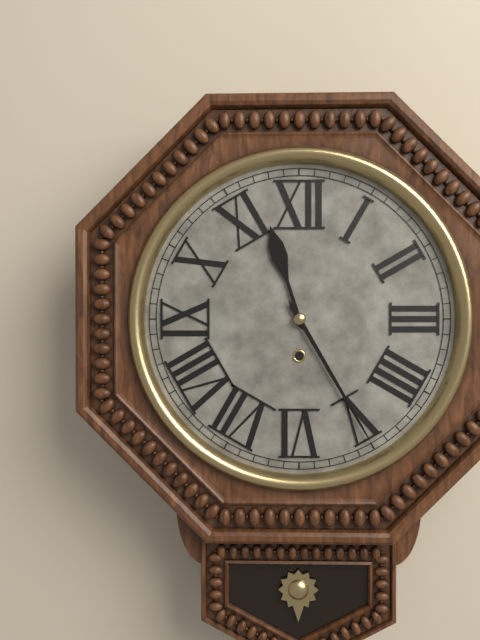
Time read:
**11:25**
